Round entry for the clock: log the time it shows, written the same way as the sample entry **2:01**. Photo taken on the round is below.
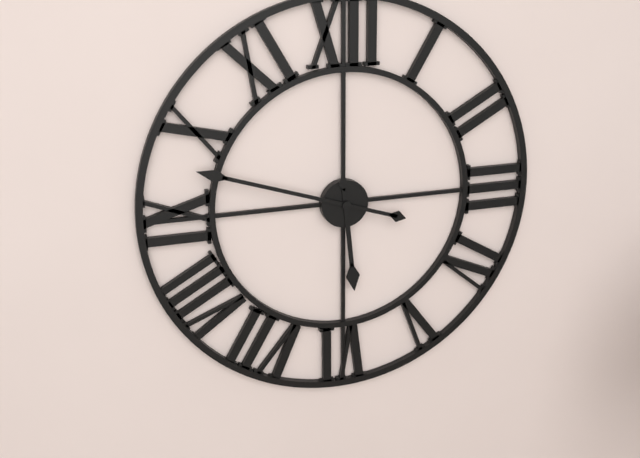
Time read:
**5:48**
